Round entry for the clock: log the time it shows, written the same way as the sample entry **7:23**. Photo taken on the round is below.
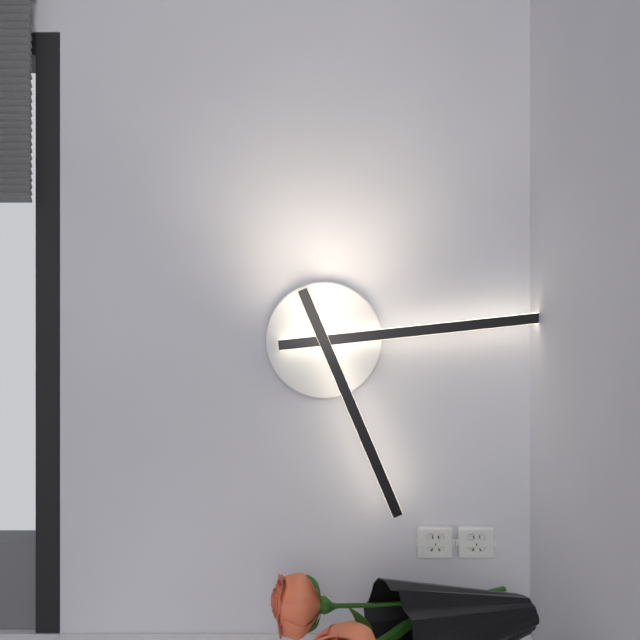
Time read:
**5:14**
